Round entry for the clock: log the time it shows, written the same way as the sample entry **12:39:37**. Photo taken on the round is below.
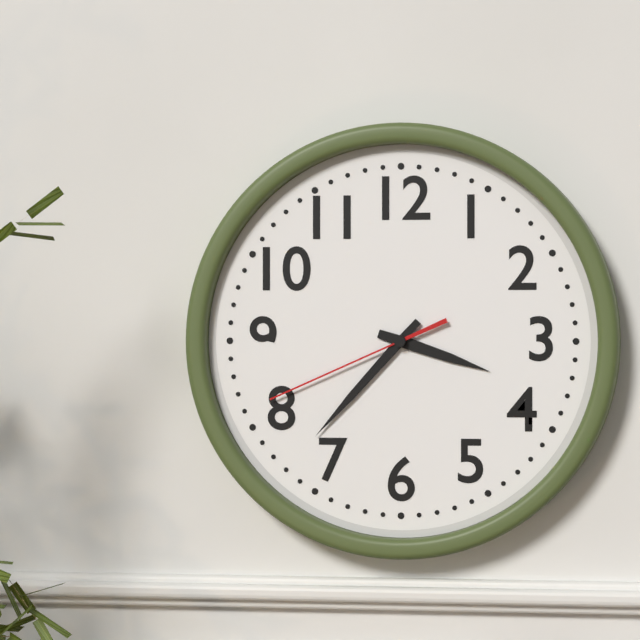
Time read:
**3:37:41**
